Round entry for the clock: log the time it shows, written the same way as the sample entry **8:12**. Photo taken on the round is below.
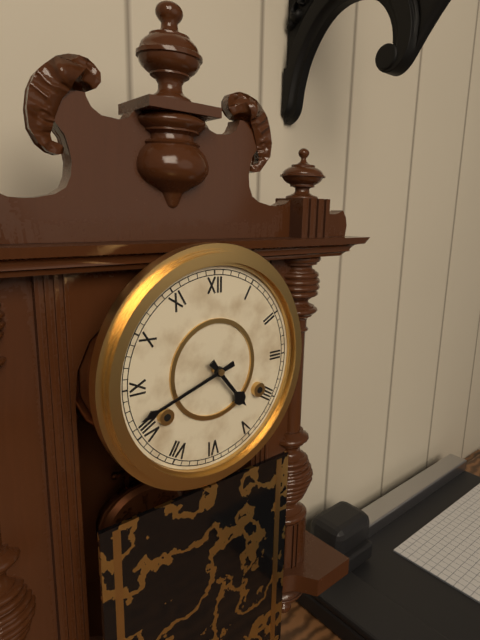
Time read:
**4:42**
